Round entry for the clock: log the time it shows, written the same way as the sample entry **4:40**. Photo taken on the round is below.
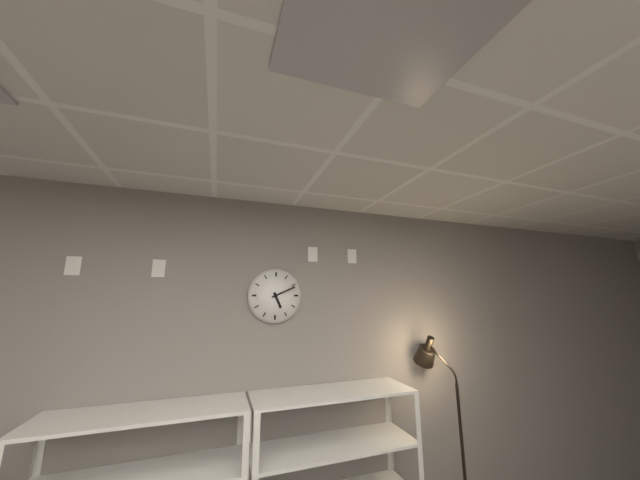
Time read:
**5:11**
